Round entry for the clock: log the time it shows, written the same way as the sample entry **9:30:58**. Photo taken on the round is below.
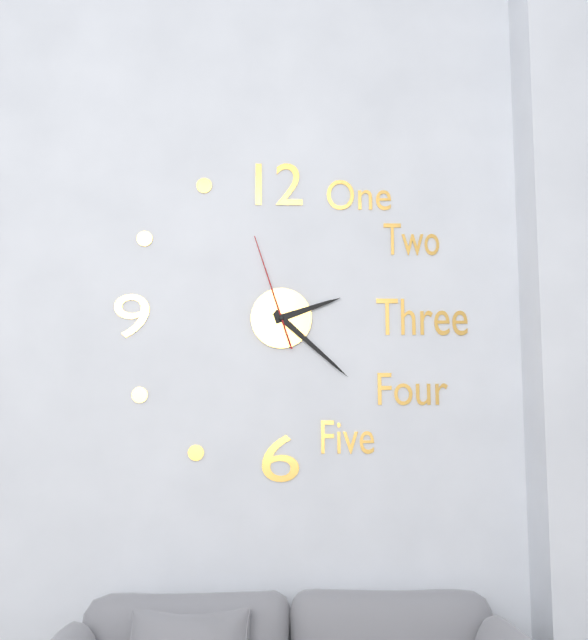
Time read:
**2:22:57**
